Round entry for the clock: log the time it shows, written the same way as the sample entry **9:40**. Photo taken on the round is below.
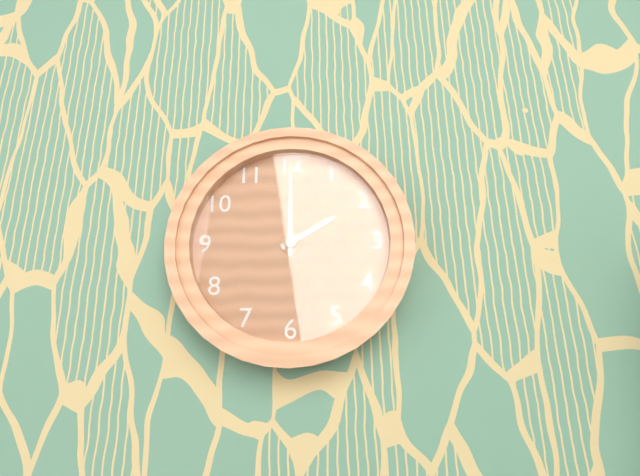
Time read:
**2:00**
